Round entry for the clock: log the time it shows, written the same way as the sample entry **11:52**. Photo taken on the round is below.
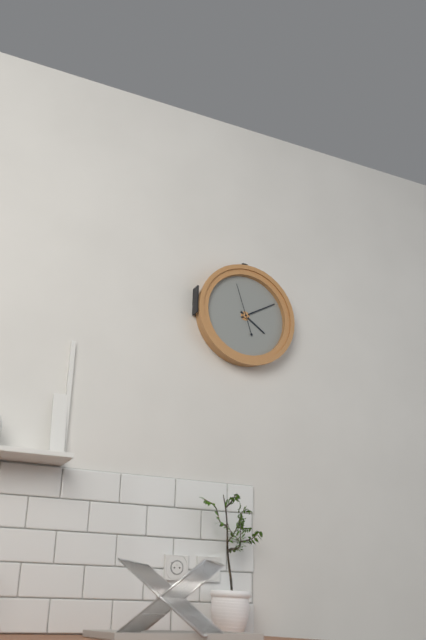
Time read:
**4:10**
